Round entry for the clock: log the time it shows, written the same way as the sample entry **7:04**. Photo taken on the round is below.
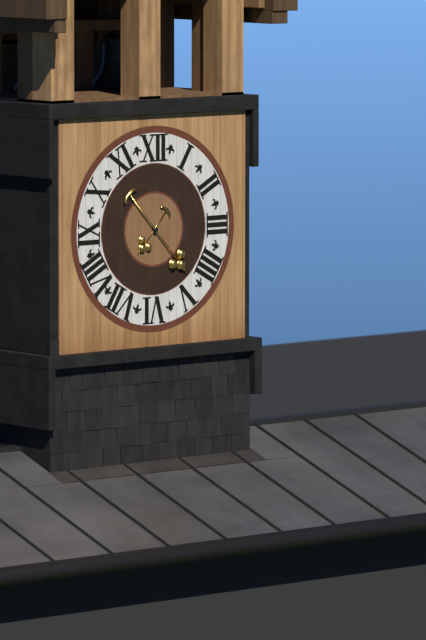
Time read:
**7:23**
